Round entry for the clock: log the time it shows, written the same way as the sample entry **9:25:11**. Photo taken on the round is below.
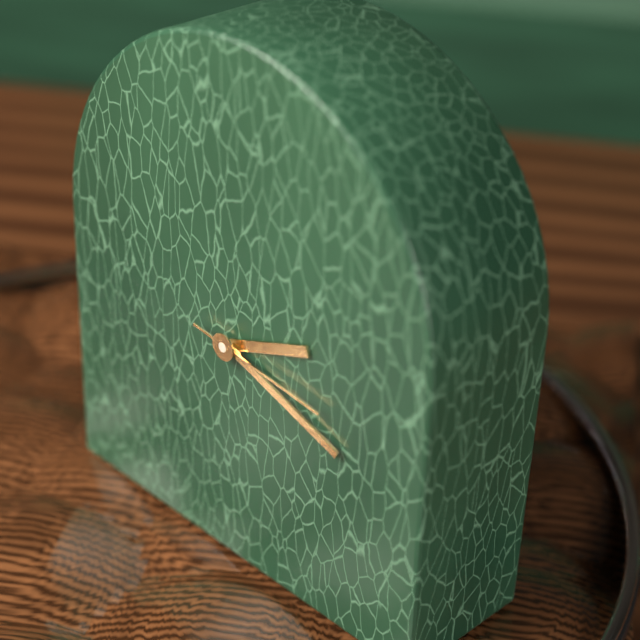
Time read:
**2:18:16**
